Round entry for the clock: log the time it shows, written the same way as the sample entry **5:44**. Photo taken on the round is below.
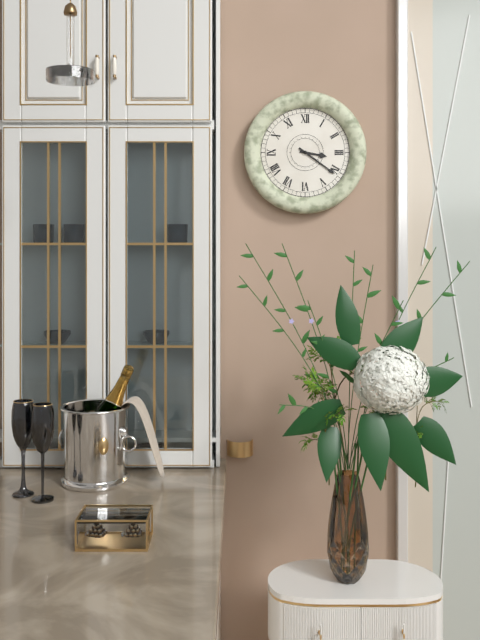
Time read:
**3:21**
